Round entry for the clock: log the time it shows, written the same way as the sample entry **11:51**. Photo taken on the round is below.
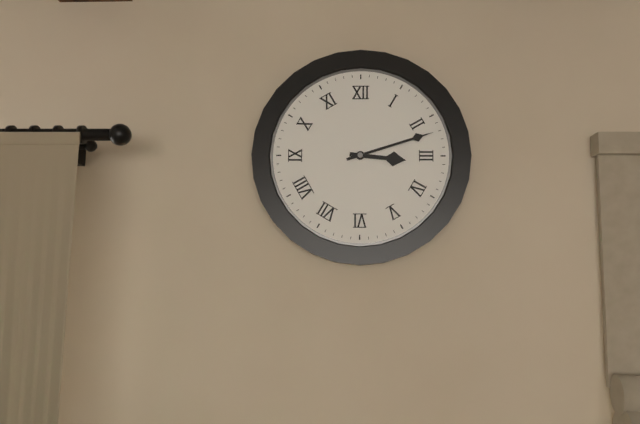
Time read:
**3:12**
